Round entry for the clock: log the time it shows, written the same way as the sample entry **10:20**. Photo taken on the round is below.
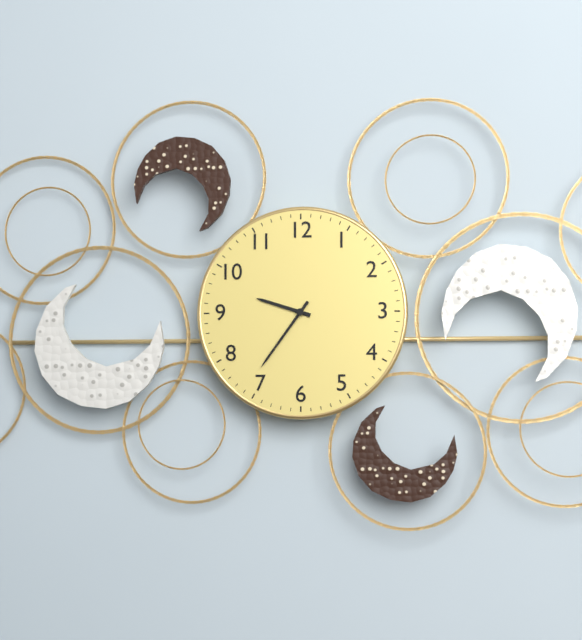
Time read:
**9:36**
